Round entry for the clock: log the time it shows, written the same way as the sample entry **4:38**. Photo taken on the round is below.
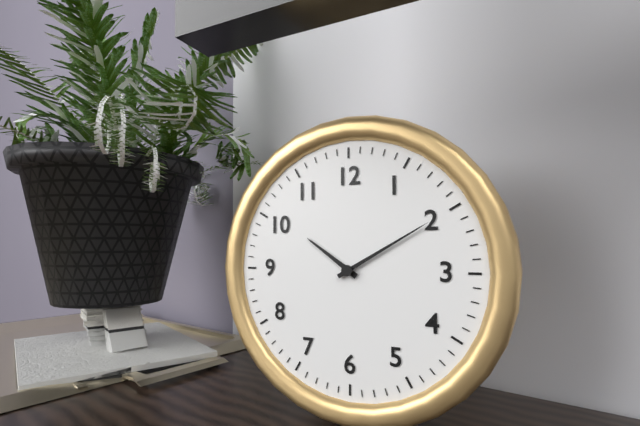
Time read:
**10:10**
